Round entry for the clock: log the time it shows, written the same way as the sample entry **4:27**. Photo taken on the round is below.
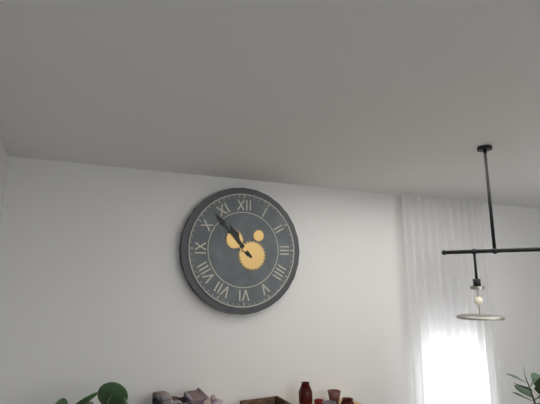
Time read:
**10:53**
